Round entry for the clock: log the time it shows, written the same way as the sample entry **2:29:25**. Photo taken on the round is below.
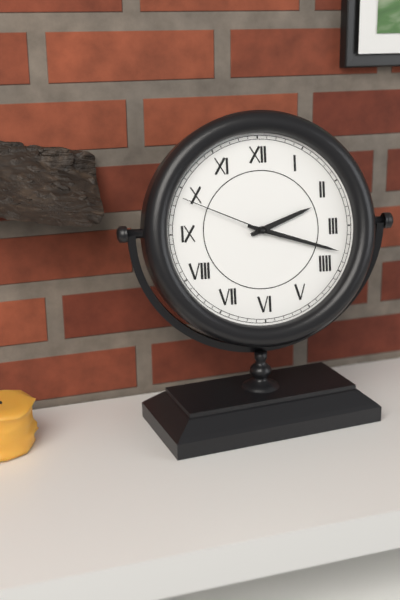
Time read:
**2:18:49**
